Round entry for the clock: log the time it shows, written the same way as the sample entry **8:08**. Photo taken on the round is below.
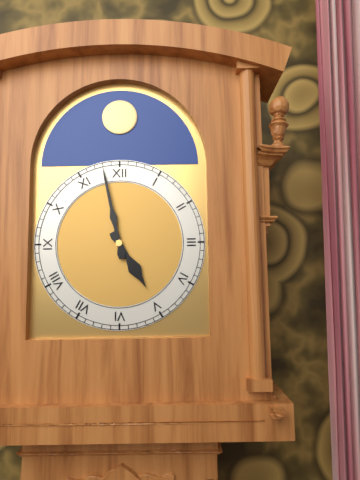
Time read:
**4:58**
